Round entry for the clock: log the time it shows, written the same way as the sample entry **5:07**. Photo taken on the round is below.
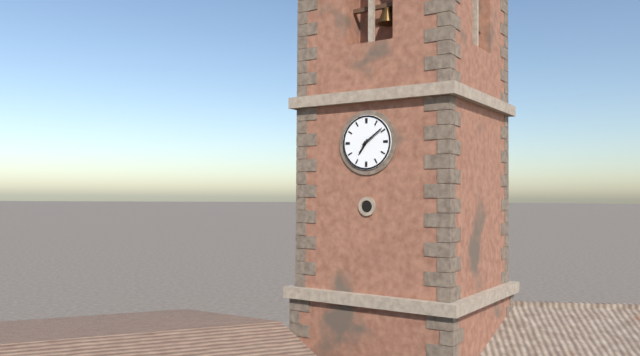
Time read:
**7:09**
